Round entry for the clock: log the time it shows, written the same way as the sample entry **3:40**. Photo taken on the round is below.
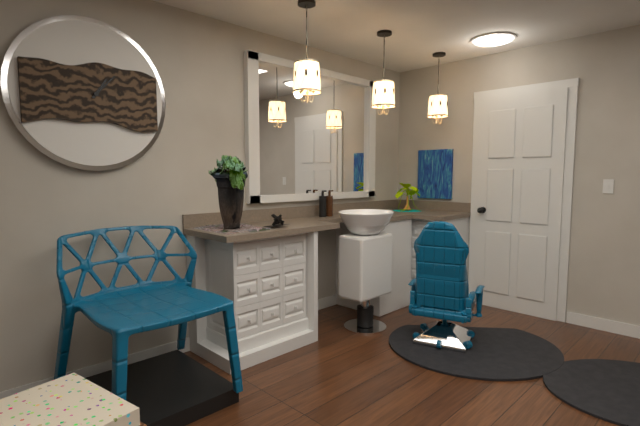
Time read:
**1:07**
